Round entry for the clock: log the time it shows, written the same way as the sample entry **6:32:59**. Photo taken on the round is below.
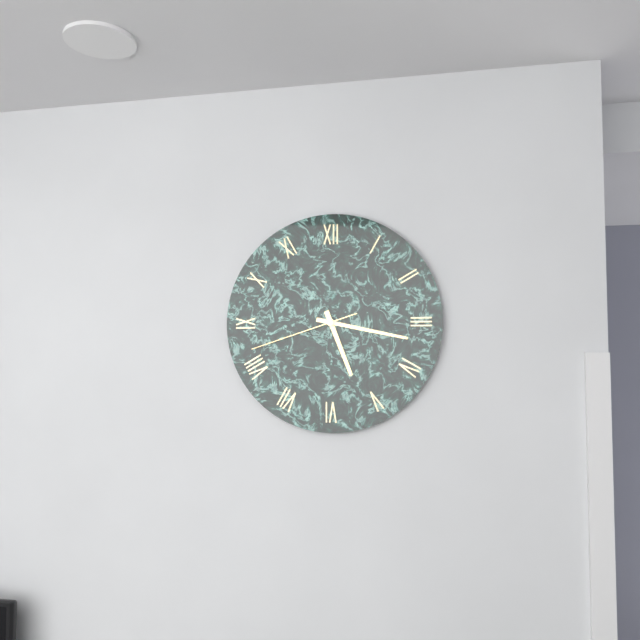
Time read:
**5:17:42**
